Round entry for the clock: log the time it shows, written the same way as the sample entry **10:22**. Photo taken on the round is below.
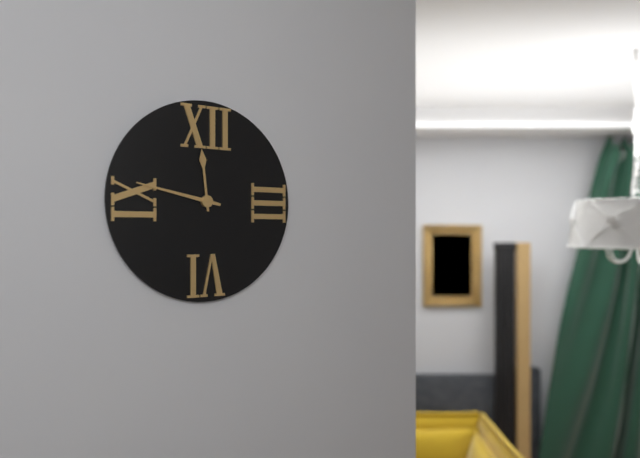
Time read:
**11:47**
